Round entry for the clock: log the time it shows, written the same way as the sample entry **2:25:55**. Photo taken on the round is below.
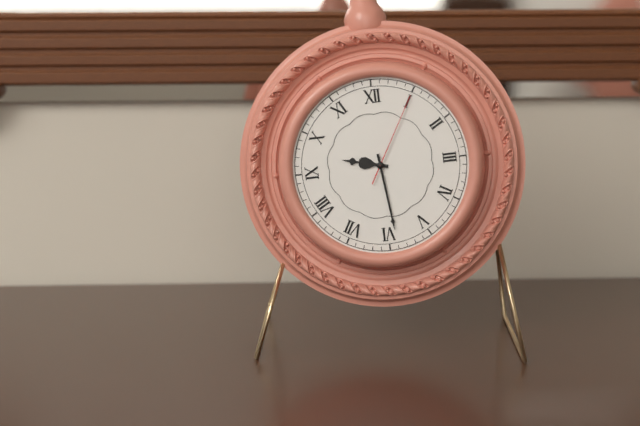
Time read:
**9:29:05**
